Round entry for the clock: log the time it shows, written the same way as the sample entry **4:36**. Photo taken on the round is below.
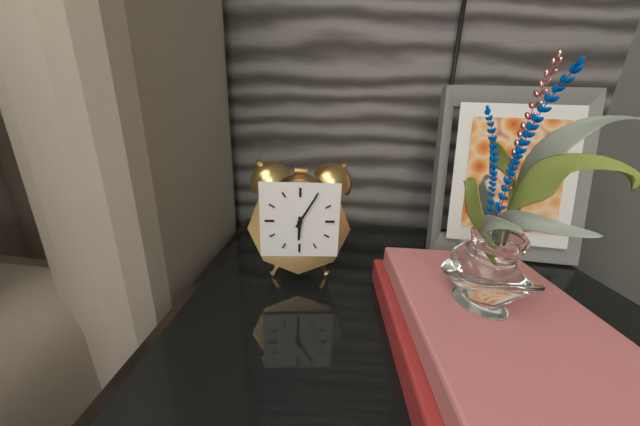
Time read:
**6:05**
